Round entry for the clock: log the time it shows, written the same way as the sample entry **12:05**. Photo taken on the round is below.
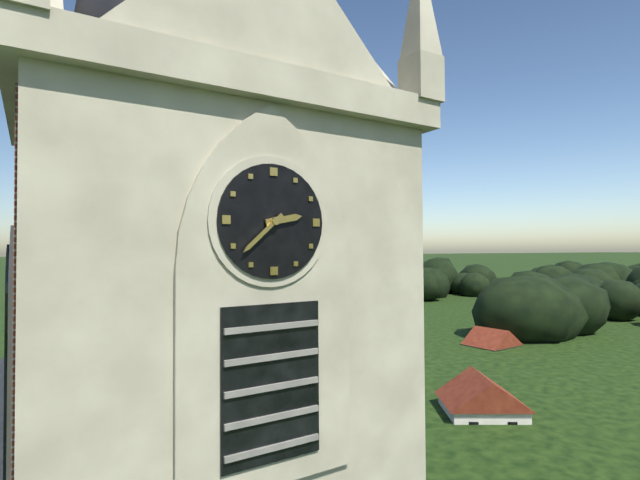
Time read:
**2:38**
